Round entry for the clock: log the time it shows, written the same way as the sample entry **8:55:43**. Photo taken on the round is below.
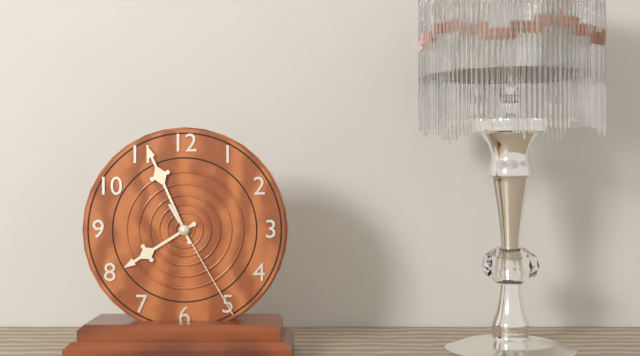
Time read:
**7:56:25**
